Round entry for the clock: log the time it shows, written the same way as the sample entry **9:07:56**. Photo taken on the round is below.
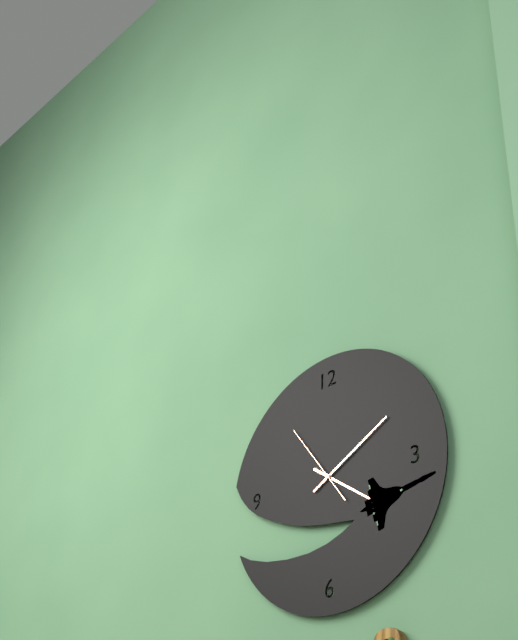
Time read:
**4:10:54**
